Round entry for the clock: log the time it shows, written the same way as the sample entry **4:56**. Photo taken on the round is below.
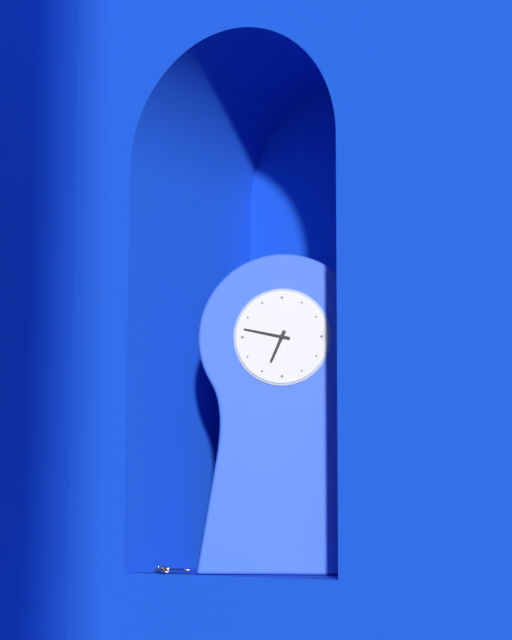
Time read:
**6:47**
